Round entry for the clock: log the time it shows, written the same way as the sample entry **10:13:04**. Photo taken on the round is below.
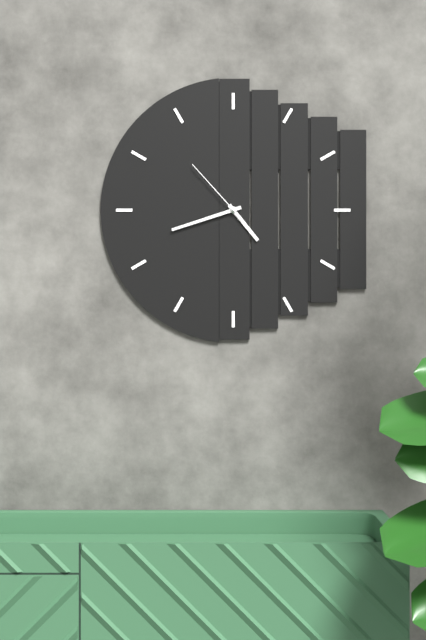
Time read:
**4:42:53**
